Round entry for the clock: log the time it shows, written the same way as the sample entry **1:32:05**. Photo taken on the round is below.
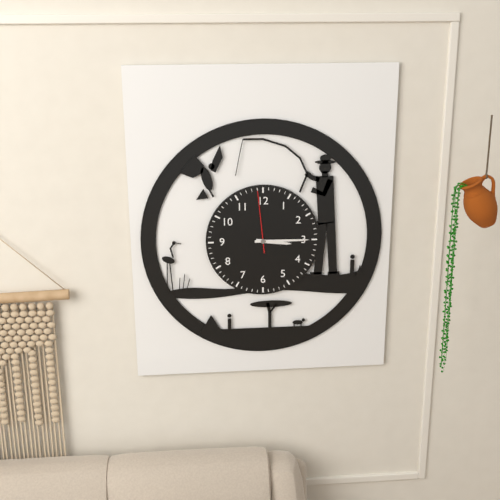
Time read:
**3:15:59**
